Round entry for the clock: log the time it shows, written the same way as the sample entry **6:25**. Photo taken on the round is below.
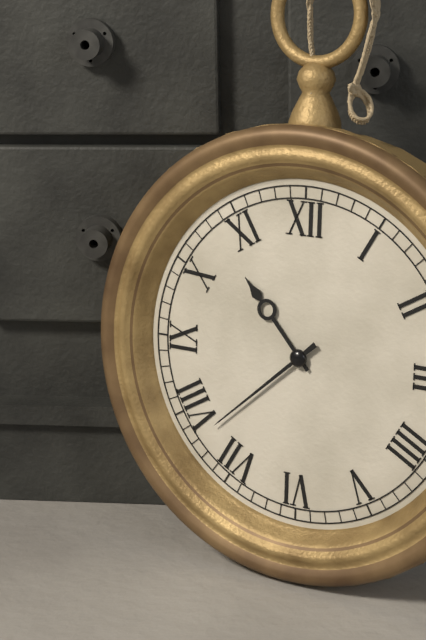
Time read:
**10:38**
